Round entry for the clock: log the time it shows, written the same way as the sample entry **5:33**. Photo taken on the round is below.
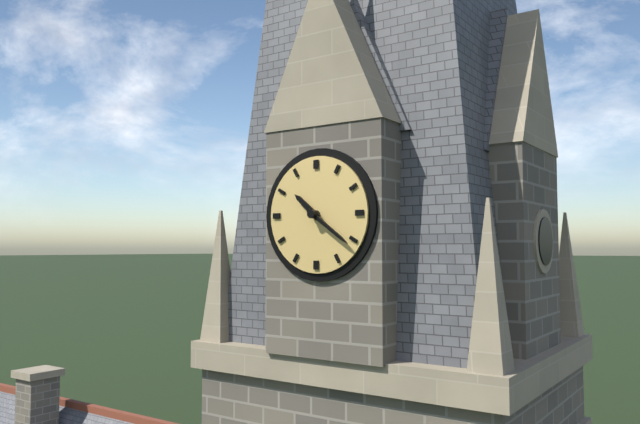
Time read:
**10:21**
